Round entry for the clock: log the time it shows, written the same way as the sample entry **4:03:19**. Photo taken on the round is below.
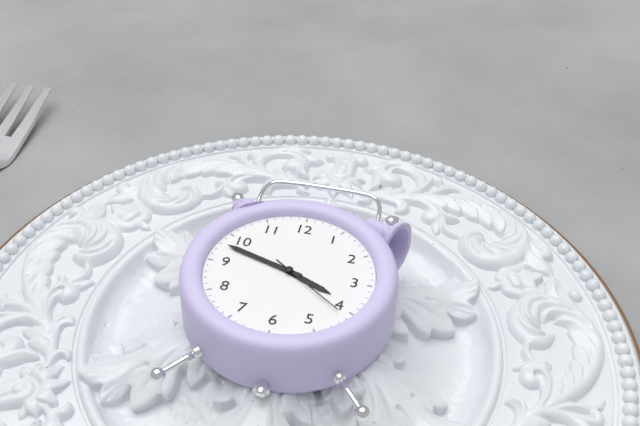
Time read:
**3:48:21**
